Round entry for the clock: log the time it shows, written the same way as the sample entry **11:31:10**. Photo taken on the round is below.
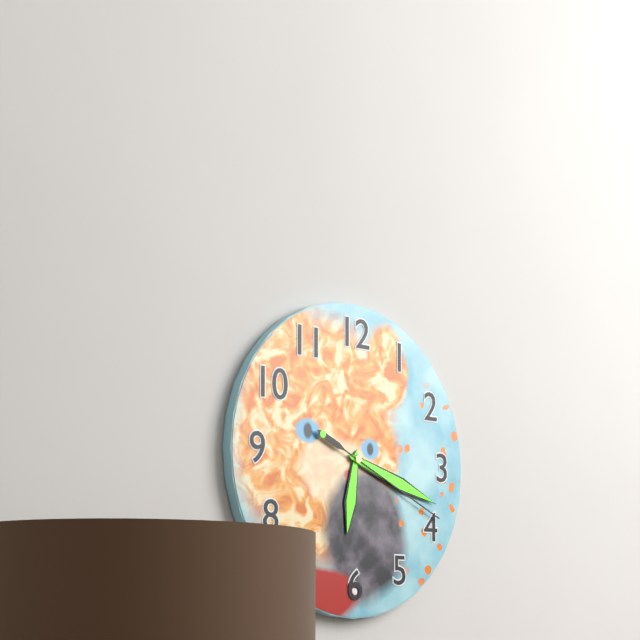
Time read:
**6:18:19**
